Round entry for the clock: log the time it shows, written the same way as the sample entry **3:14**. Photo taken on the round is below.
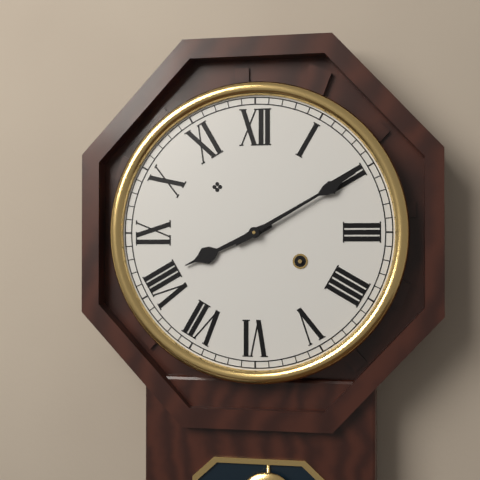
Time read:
**8:10**
